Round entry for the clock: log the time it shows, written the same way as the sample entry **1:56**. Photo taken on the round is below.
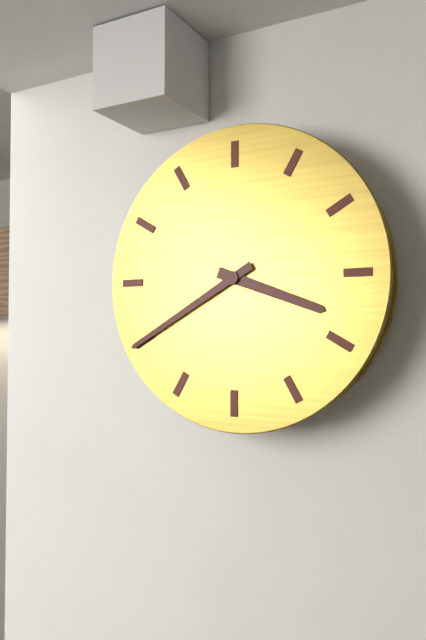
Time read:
**3:40**
